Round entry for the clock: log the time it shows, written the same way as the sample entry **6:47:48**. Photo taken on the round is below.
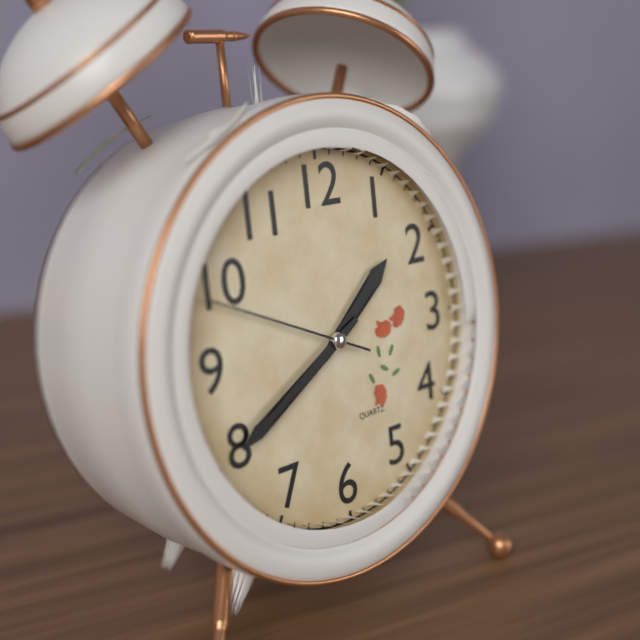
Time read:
**1:40:49**
